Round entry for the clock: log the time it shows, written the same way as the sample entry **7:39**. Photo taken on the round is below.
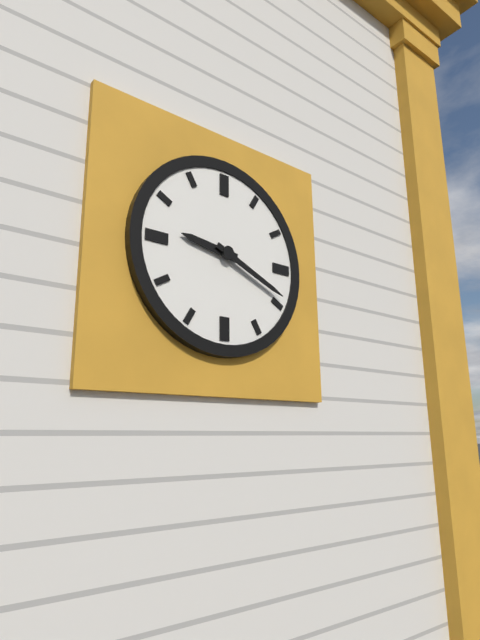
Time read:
**9:19**
